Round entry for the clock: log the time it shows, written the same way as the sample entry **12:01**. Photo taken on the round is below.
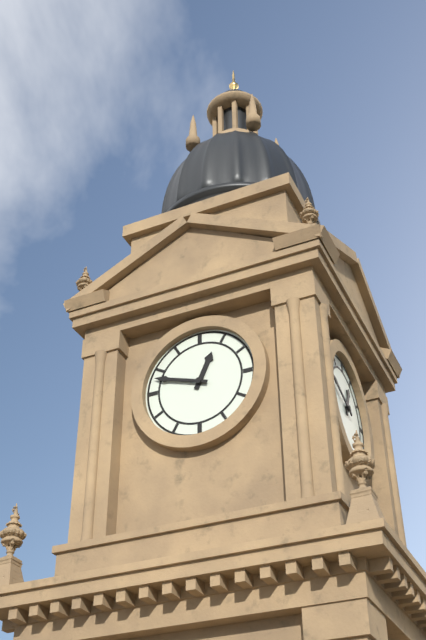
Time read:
**12:48**
